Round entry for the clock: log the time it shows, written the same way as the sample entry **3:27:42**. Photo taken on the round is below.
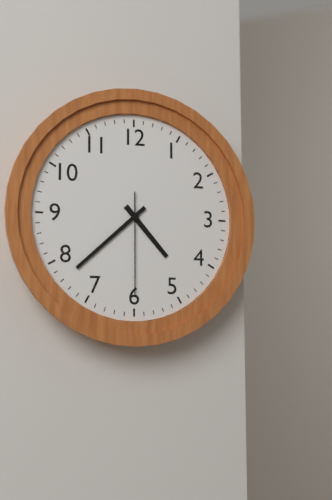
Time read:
**4:38:30**
